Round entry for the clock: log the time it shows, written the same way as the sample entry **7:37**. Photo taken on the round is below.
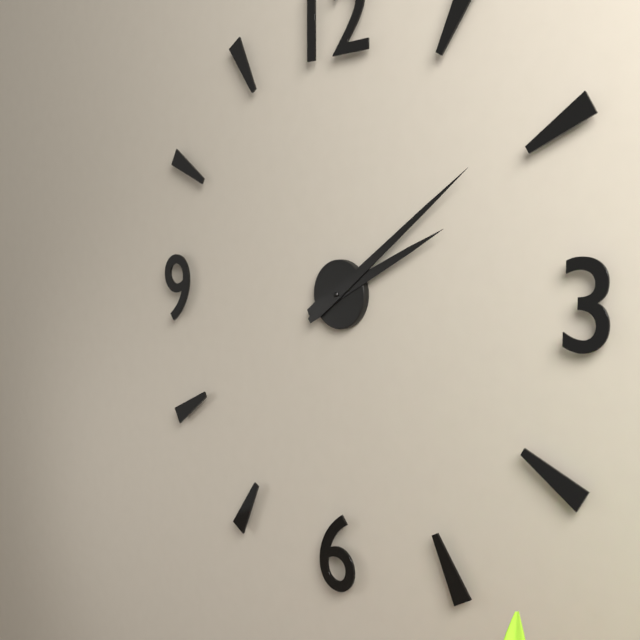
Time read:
**2:09**
